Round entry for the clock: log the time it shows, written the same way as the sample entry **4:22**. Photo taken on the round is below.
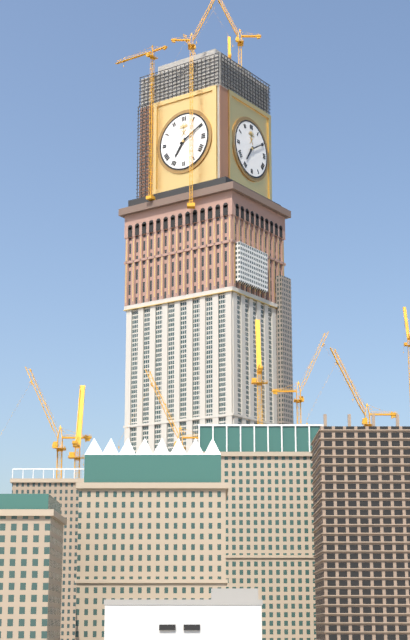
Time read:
**7:10**
